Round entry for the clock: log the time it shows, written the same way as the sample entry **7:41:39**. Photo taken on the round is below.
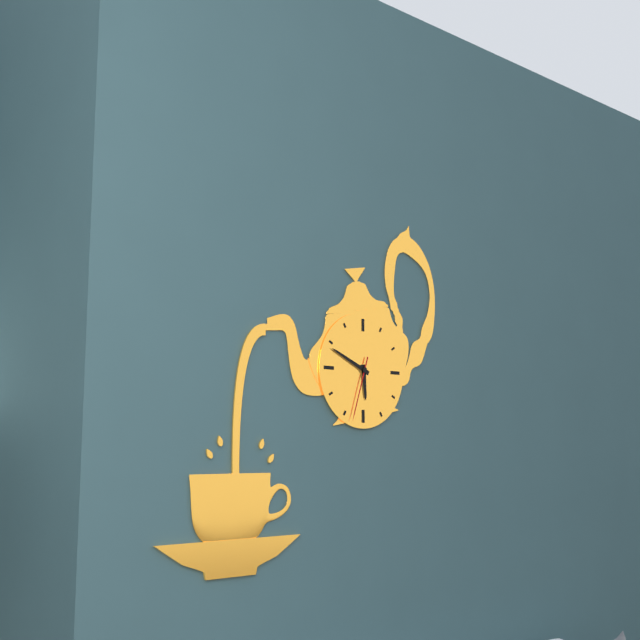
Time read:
**5:49:33**
